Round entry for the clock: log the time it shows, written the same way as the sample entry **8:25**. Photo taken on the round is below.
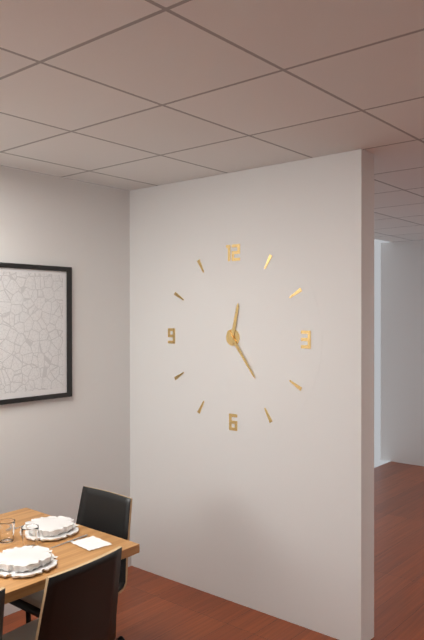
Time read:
**12:24**
